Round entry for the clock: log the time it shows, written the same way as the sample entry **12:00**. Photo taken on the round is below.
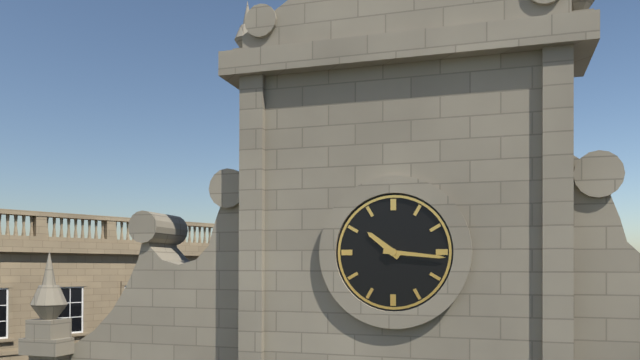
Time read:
**10:16**
